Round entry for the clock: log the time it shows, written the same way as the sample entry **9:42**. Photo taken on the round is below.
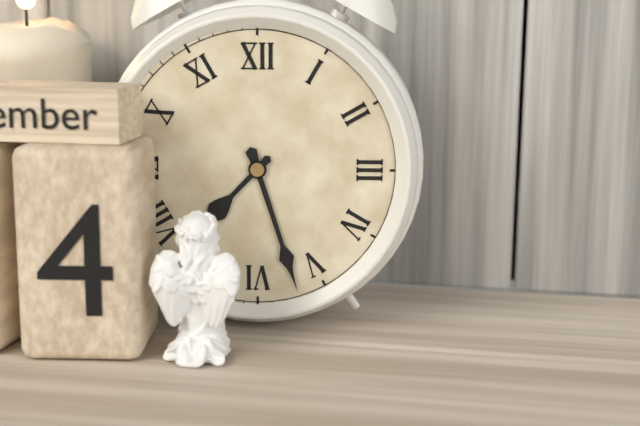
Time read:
**7:27**
